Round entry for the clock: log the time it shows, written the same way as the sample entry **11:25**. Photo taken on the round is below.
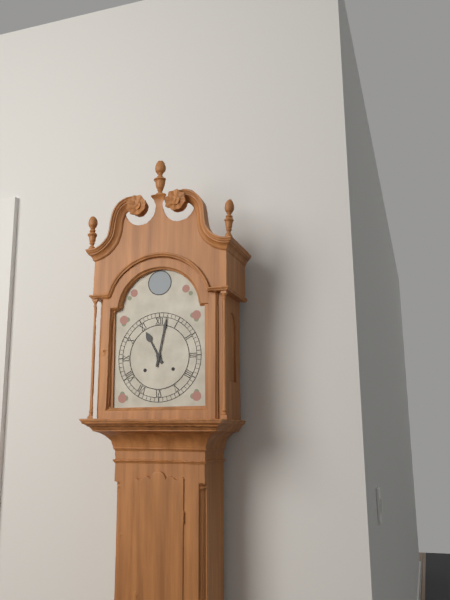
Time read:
**11:02**
